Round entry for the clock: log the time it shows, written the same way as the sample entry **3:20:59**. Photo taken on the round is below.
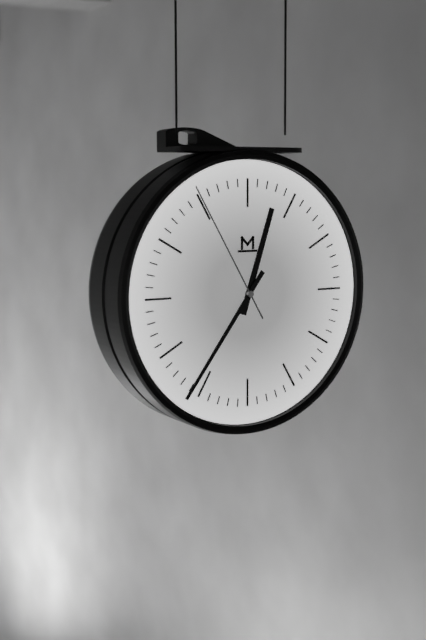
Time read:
**12:36:55**
